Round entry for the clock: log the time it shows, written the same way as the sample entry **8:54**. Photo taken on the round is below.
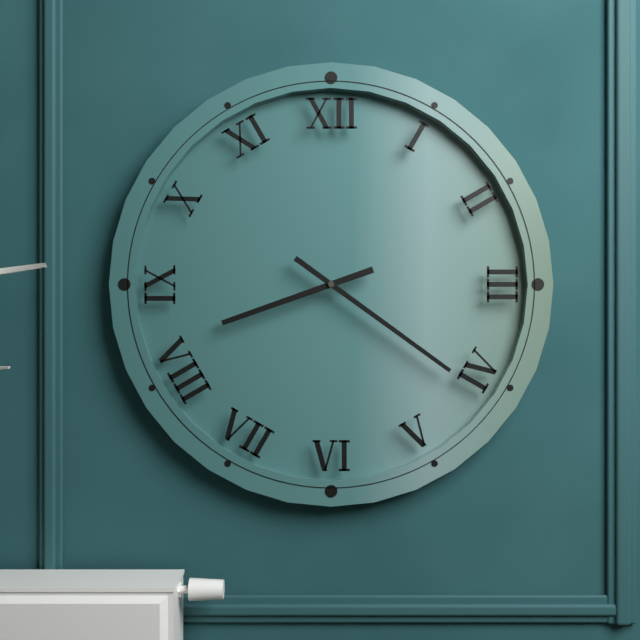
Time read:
**8:21**
